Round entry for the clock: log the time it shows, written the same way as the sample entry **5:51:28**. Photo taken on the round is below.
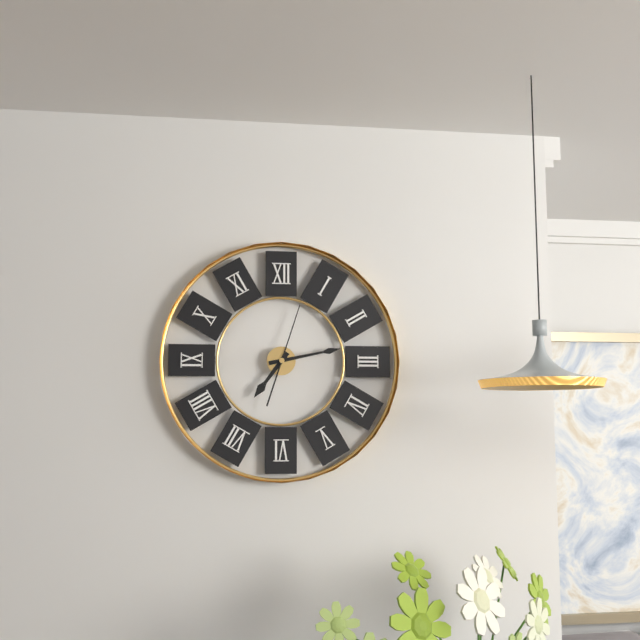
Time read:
**7:13:03**
